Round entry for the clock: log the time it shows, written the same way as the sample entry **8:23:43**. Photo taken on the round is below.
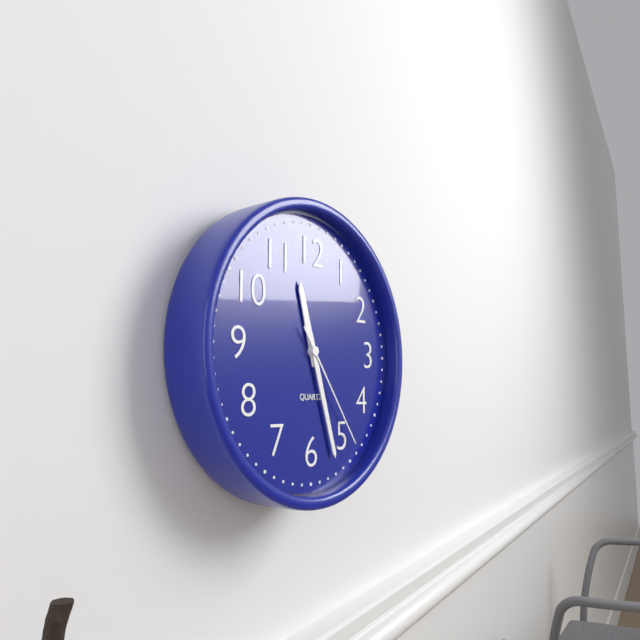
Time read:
**11:27:24**
